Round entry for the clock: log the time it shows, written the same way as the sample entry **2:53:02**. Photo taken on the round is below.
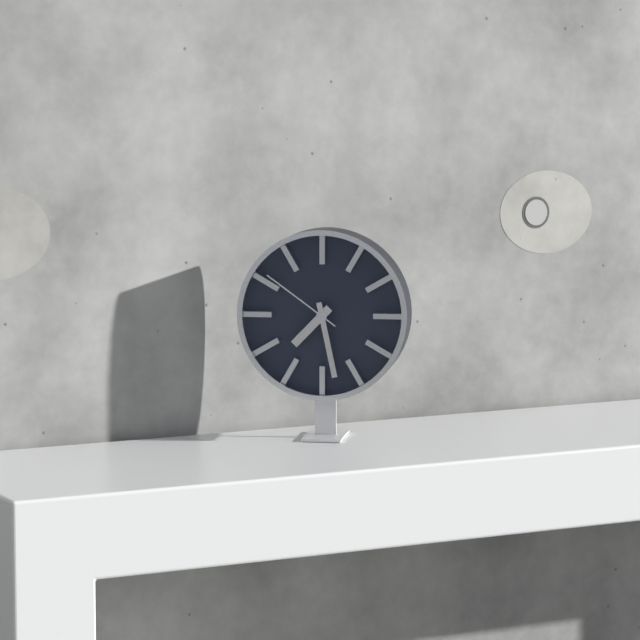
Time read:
**7:28:51**
